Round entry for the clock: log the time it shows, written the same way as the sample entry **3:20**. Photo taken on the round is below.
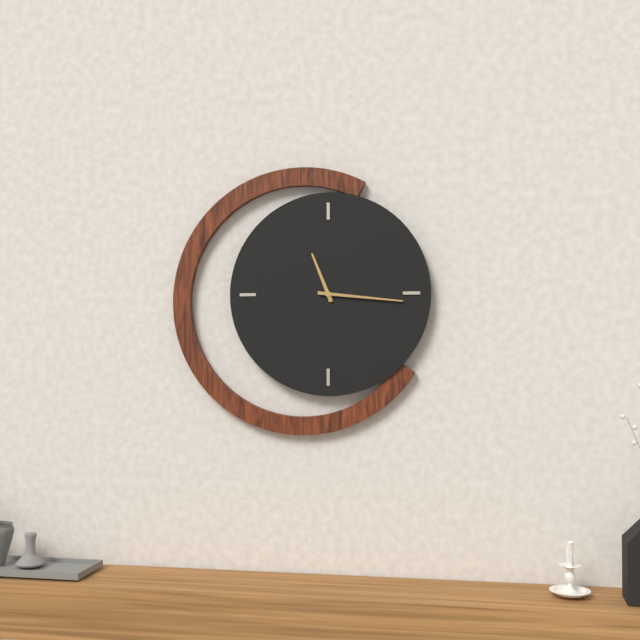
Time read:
**11:16**
